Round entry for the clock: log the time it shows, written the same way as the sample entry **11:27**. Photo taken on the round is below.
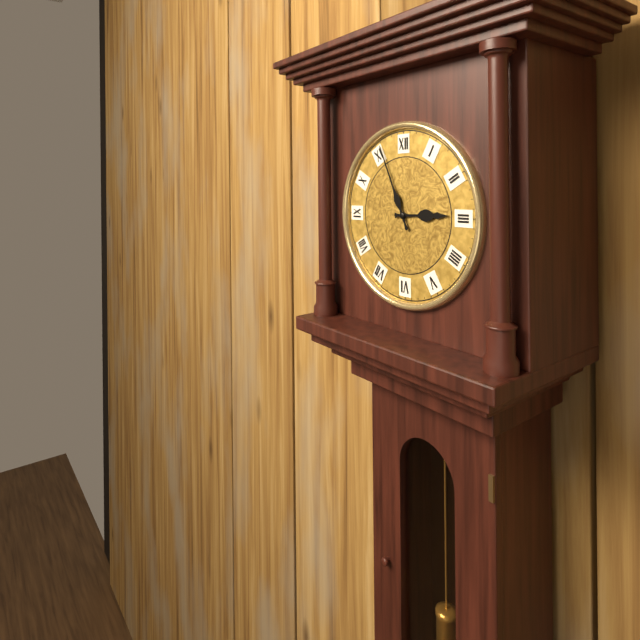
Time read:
**2:56**
